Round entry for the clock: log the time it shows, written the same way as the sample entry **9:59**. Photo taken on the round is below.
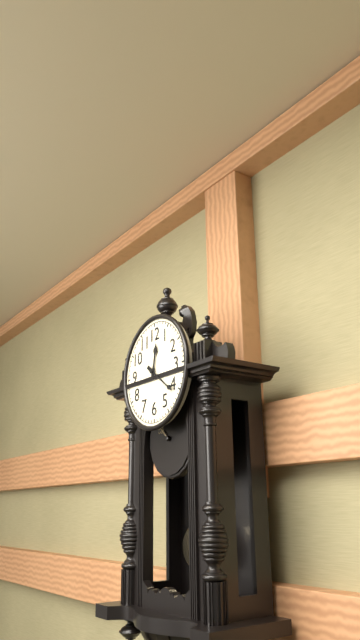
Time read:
**12:21**
